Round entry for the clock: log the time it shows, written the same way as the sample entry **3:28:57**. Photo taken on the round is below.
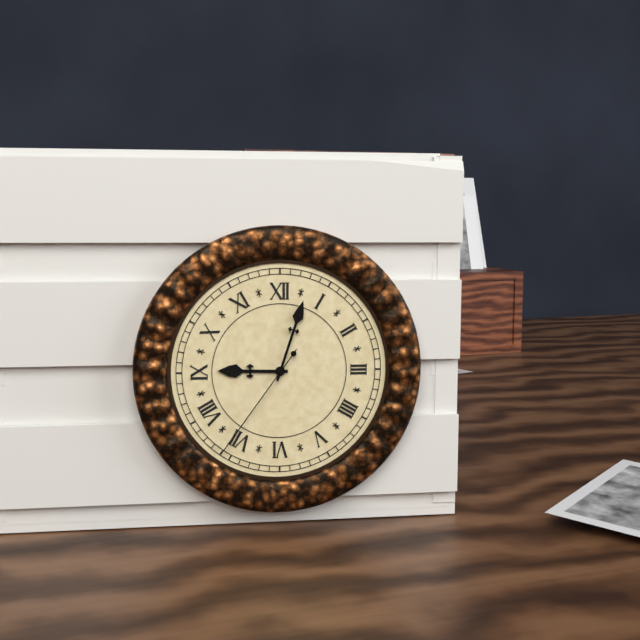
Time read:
**9:03:36**
